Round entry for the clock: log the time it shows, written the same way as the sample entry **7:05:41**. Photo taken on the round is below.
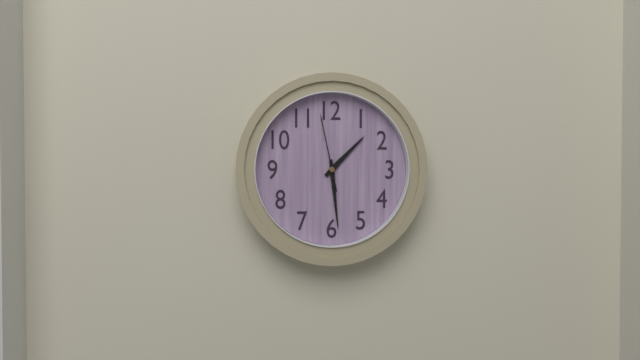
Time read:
**1:29:58**
